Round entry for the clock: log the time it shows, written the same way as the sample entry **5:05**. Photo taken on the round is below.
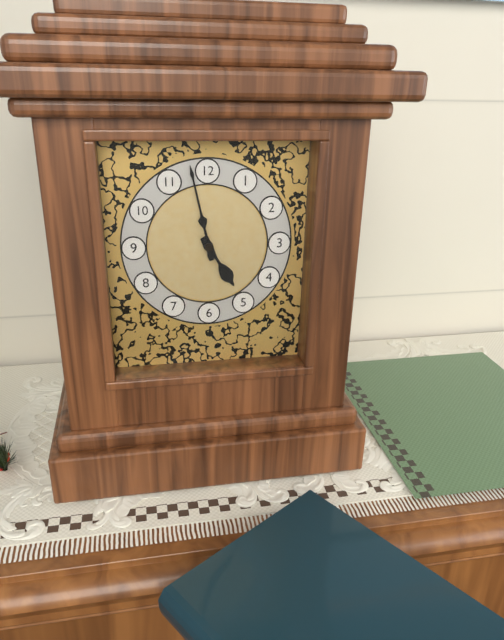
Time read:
**4:58**
